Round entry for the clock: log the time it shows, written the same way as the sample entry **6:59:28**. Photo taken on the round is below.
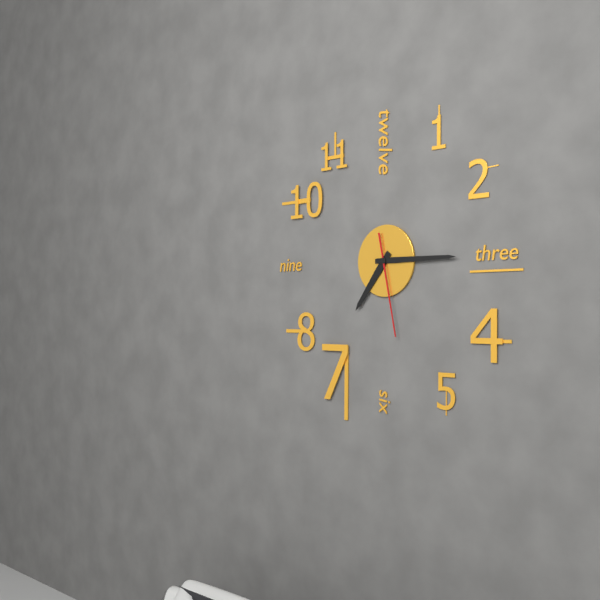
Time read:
**7:15:28**
